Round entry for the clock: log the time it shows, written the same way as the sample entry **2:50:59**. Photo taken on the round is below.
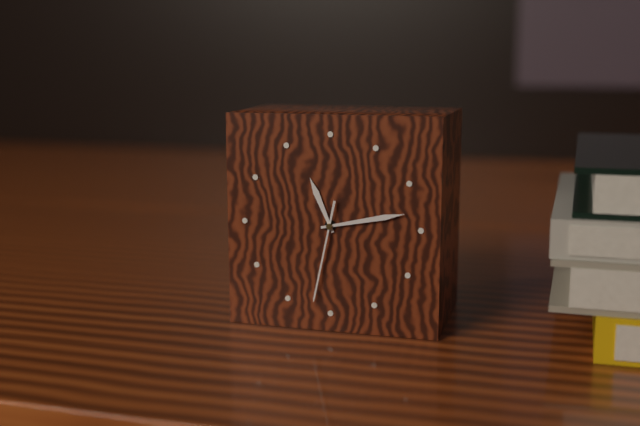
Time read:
**11:13:32**
